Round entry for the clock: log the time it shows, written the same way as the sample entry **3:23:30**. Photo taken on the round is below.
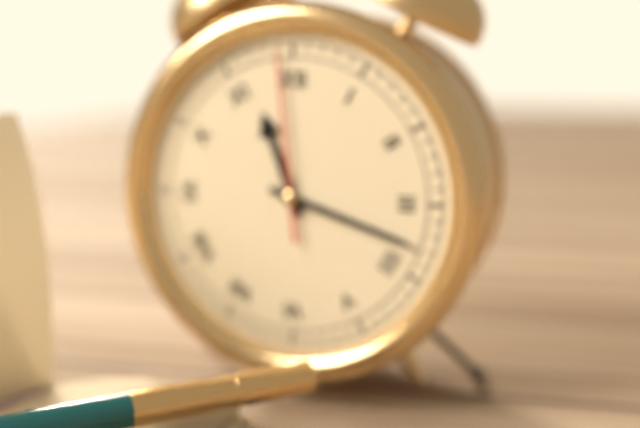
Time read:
**11:18:59**
